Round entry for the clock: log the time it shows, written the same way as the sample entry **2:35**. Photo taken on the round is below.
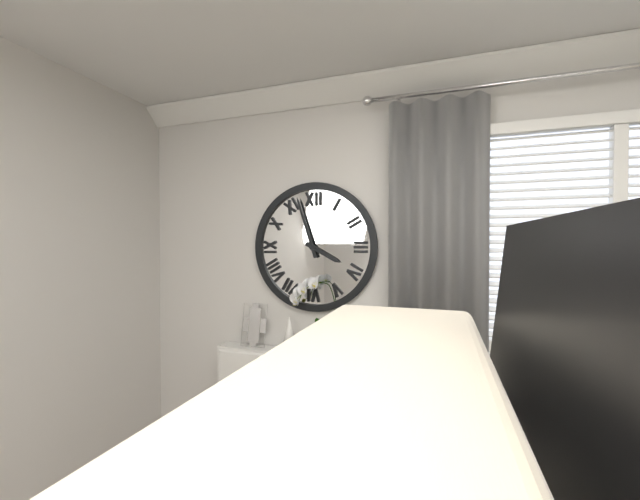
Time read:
**3:57**
